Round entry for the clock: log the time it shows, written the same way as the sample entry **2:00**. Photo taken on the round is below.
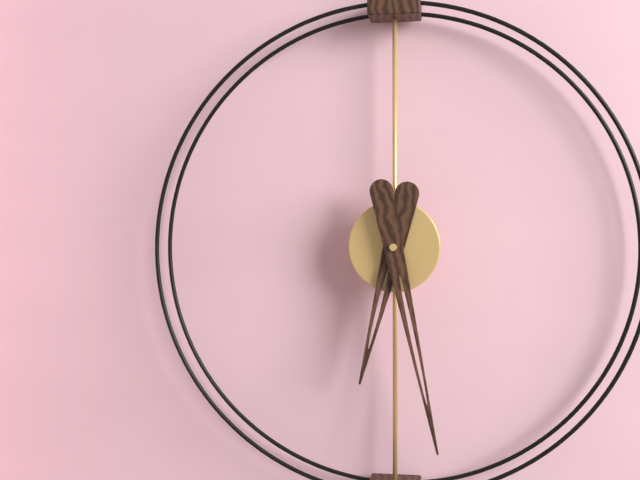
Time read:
**6:28**
